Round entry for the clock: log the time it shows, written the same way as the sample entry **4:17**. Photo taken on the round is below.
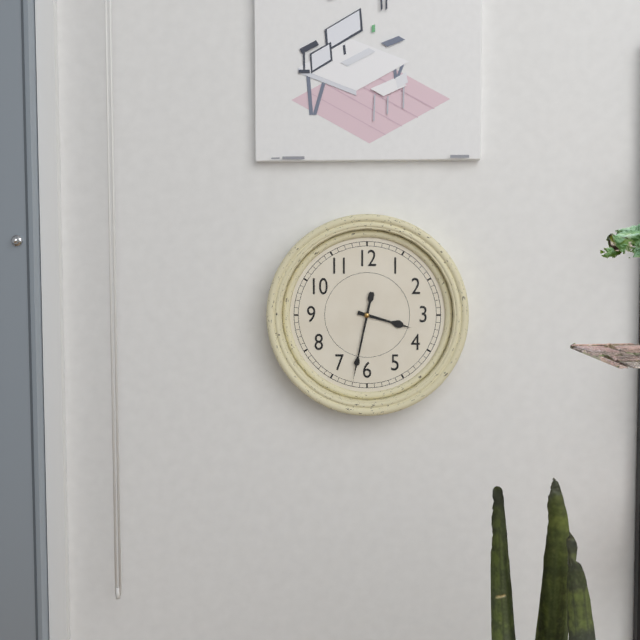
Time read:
**3:32**
